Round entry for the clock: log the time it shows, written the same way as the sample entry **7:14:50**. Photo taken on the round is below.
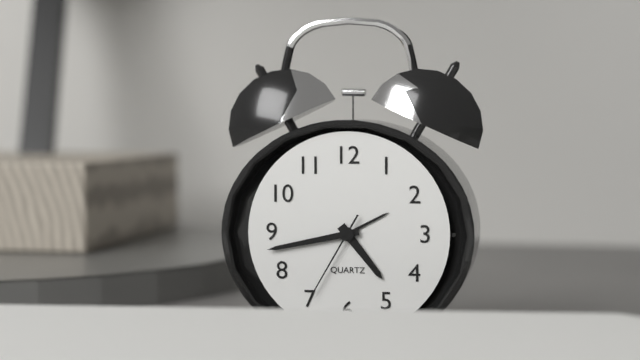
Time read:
**4:43:35**
